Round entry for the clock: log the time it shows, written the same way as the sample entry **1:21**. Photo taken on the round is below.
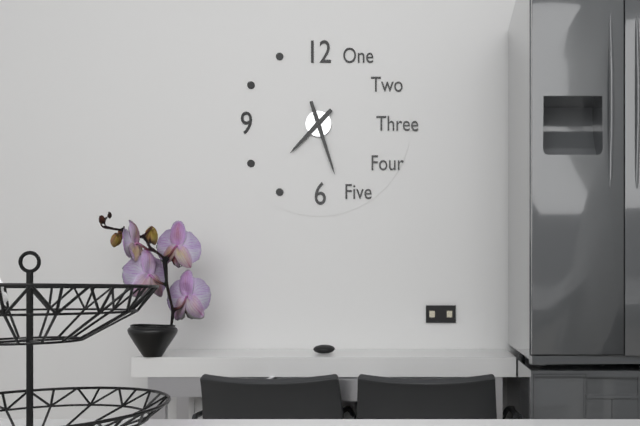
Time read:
**7:27**
